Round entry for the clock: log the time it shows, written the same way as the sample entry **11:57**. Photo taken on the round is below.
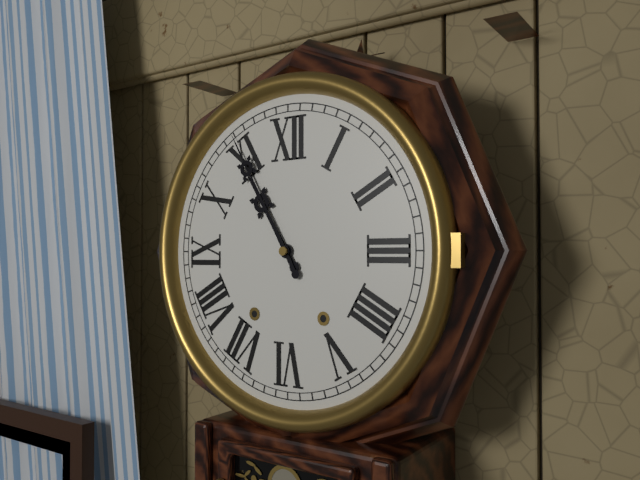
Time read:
**10:55**
